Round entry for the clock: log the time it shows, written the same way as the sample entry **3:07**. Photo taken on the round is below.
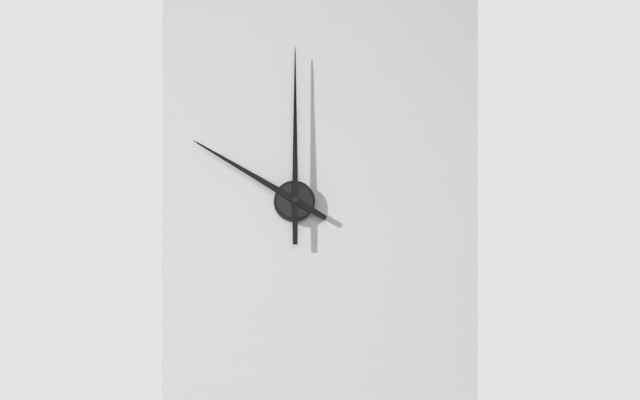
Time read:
**10:00**
